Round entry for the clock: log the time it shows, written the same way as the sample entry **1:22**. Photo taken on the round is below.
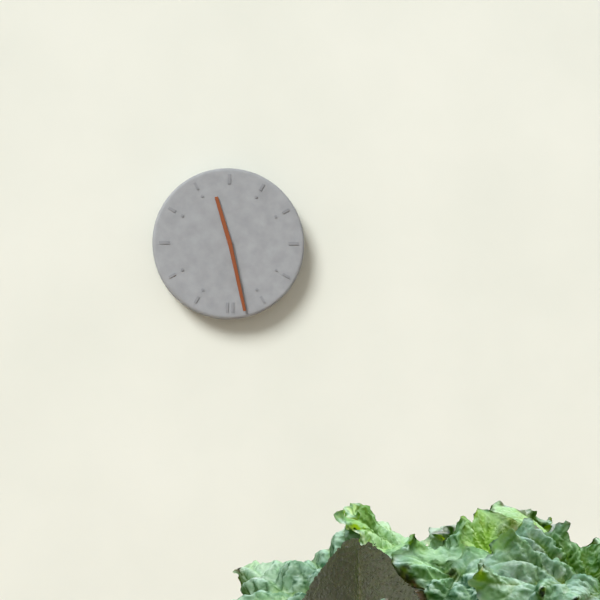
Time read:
**11:28**
